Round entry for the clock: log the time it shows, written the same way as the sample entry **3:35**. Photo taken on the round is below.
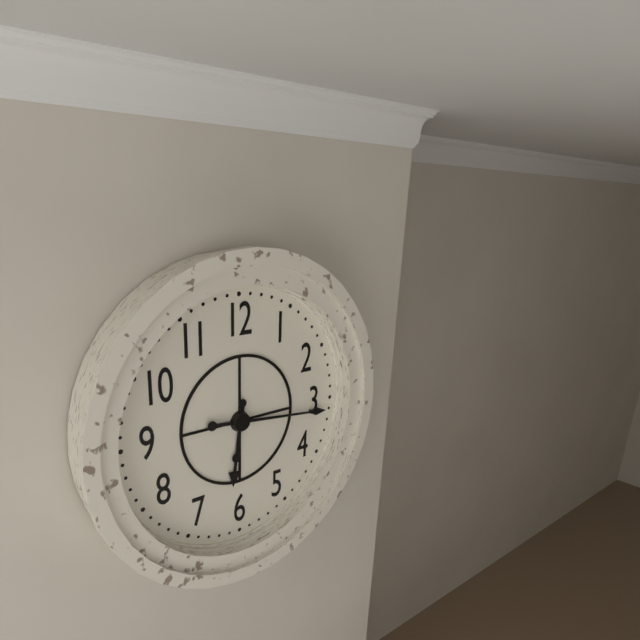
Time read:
**6:16**
